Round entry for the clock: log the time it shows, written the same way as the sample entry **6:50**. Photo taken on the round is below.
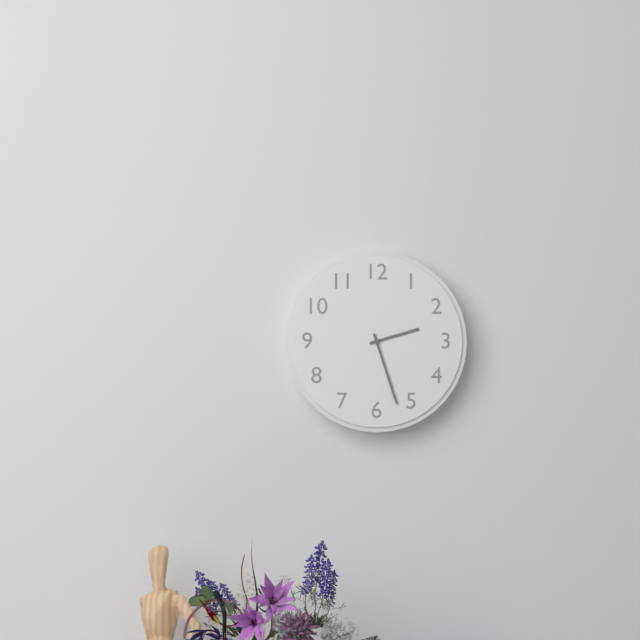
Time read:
**2:27**
